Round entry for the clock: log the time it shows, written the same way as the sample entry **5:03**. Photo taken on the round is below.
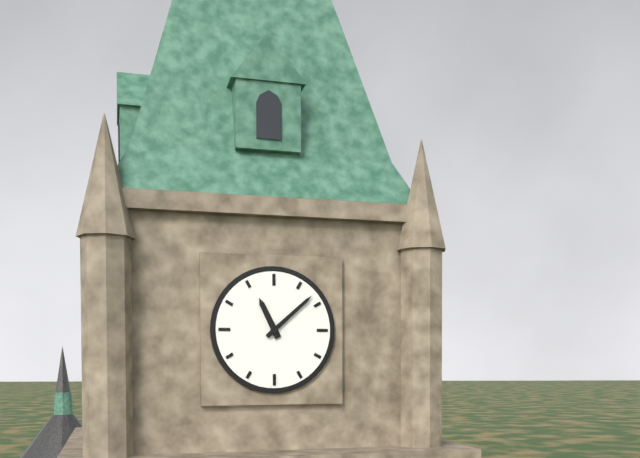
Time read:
**11:08**
